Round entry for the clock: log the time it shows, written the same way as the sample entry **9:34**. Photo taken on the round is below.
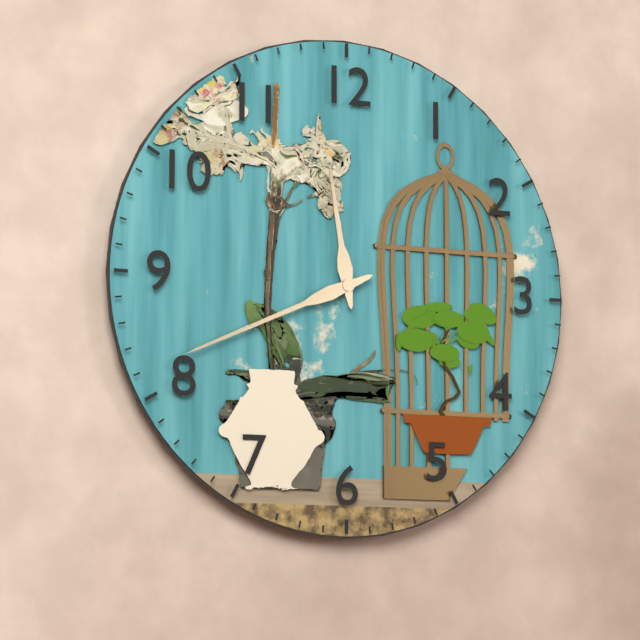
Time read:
**11:41**
